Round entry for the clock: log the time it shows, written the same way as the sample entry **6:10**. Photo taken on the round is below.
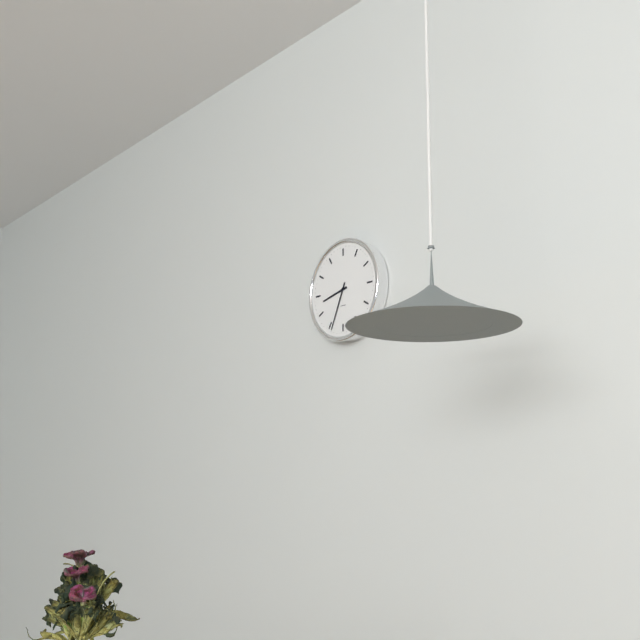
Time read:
**8:34**
